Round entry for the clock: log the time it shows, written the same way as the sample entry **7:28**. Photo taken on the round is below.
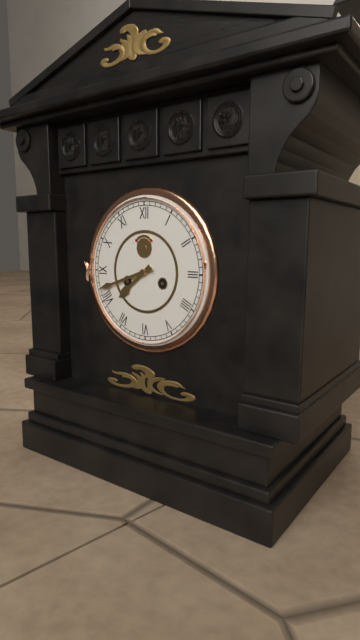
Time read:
**7:42**
